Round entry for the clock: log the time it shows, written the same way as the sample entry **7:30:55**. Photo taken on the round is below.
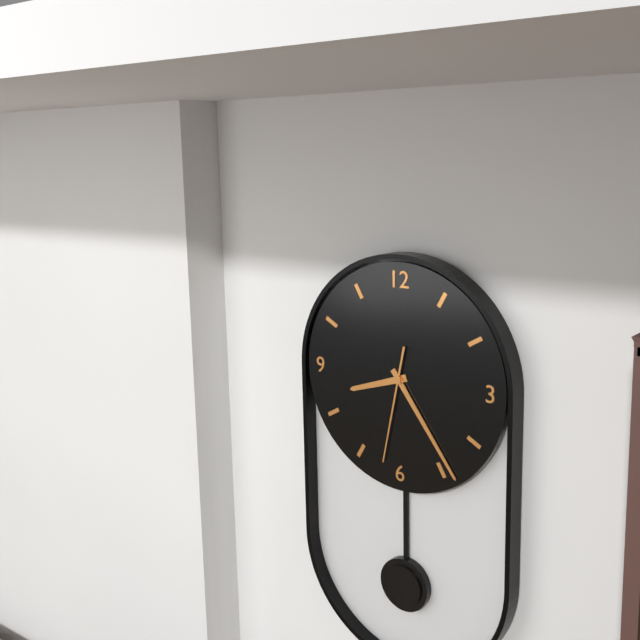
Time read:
**8:24:32**
